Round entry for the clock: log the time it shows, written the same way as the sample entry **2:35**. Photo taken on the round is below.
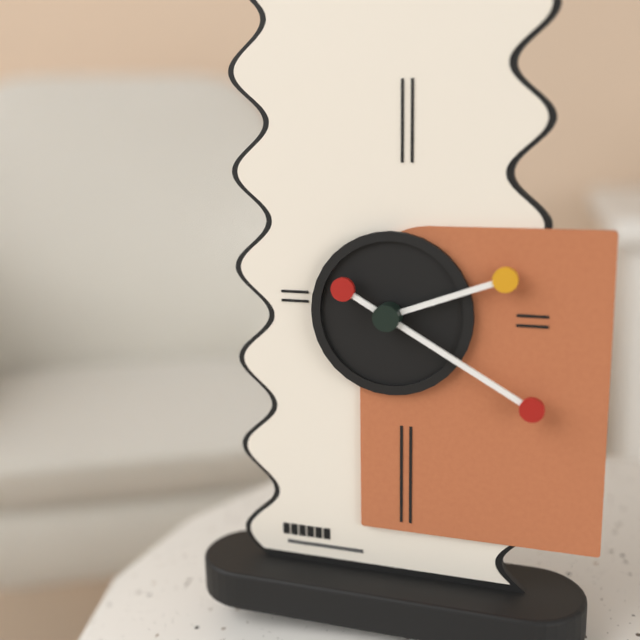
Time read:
**2:20**
